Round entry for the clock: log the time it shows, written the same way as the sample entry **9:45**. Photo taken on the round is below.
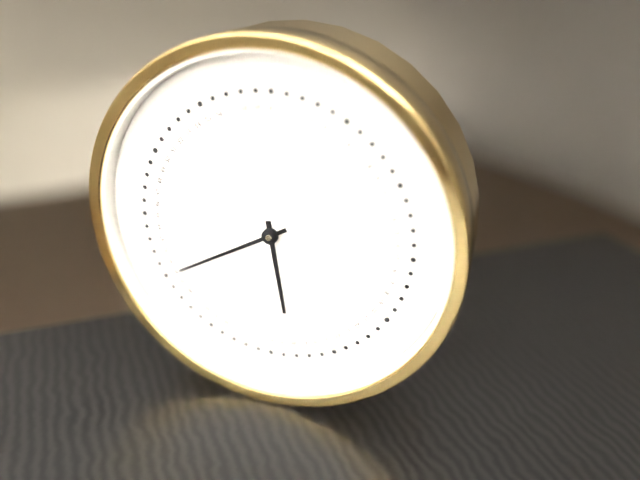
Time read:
**5:40**
